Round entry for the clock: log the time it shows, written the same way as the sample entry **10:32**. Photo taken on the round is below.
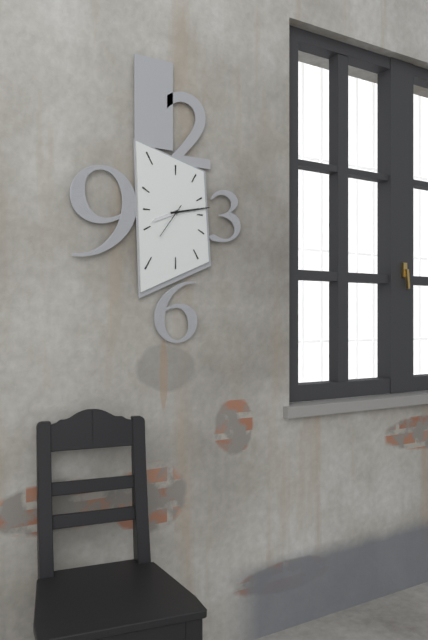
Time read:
**8:13**
